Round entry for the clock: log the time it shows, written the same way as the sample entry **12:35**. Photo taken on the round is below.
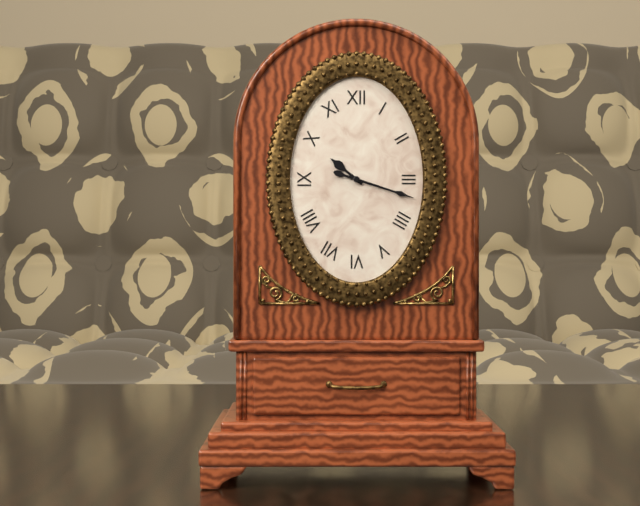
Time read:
**10:18**
